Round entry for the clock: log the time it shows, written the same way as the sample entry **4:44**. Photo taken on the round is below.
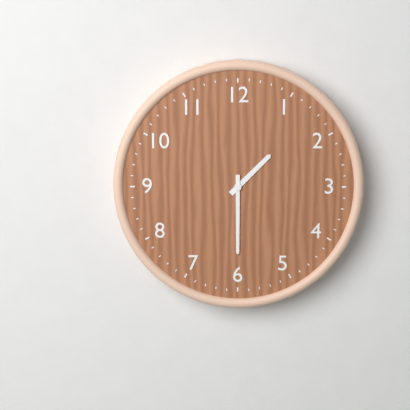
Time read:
**1:30**
